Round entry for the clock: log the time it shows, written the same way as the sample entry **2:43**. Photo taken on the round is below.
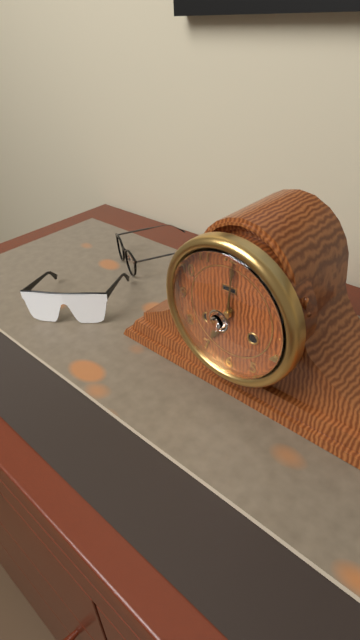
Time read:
**7:01**
